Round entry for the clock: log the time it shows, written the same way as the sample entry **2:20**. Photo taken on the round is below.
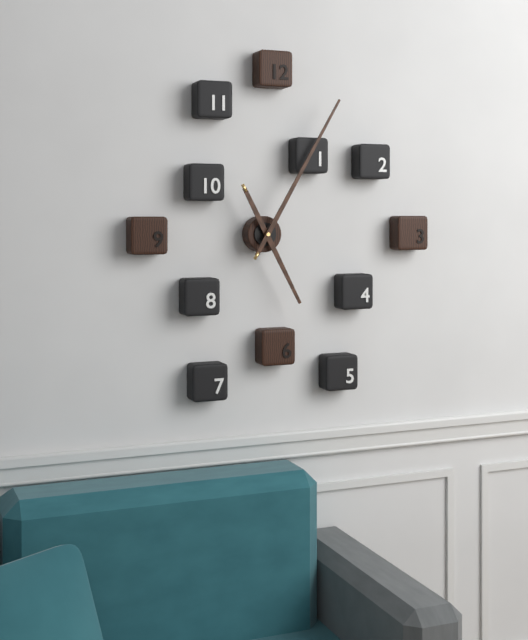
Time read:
**5:05**
